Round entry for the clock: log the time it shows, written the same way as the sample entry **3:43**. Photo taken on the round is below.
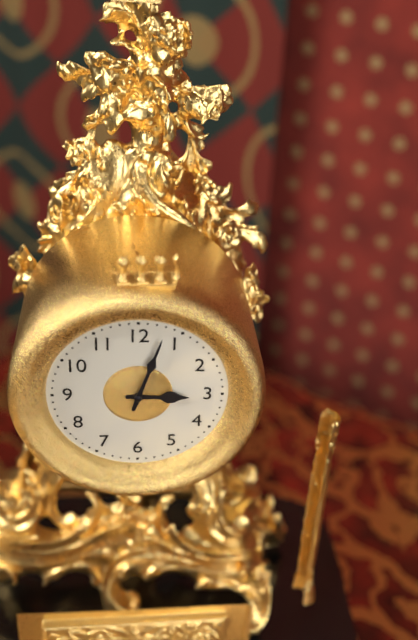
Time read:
**3:03**
